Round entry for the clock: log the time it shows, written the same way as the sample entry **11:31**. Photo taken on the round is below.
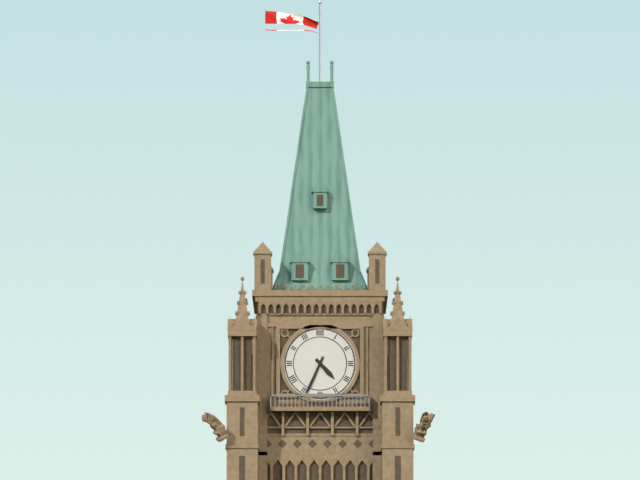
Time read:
**4:34**
